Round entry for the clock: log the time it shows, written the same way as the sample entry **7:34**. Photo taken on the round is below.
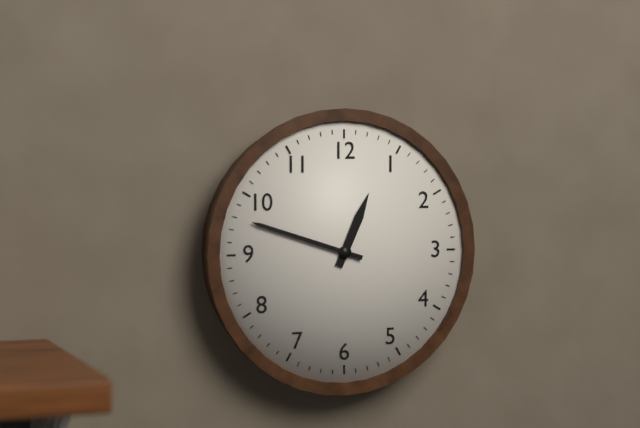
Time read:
**12:48**
